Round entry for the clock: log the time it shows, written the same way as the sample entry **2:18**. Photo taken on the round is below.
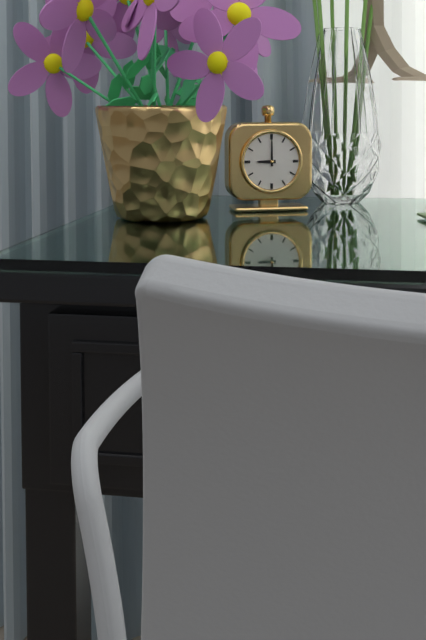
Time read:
**9:00**
